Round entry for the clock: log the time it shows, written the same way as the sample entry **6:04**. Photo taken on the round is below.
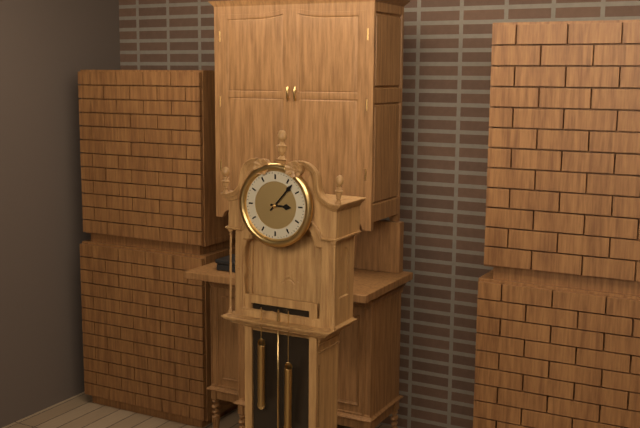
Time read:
**3:07**
